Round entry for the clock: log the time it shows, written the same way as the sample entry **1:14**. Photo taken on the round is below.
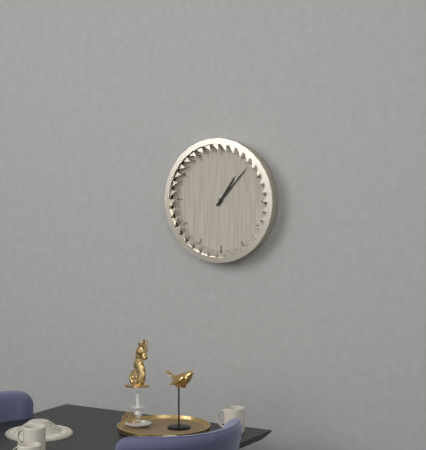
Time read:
**1:07**
